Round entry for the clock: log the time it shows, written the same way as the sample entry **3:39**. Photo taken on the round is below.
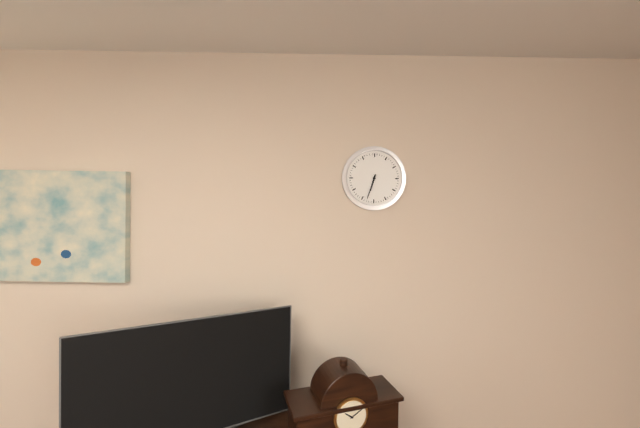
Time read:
**6:33**
